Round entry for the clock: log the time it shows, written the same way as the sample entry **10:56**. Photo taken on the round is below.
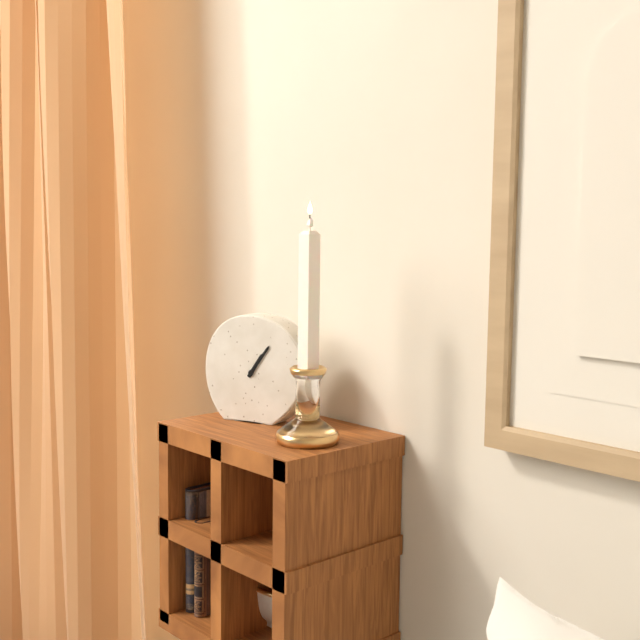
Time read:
**1:06**
